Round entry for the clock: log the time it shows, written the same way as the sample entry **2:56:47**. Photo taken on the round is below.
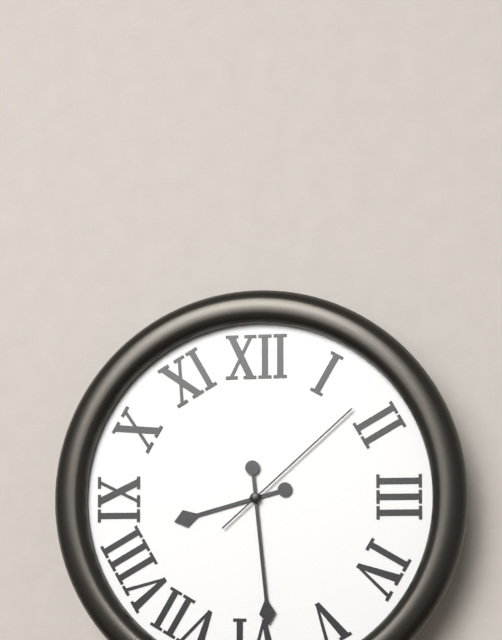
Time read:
**8:29:08**
